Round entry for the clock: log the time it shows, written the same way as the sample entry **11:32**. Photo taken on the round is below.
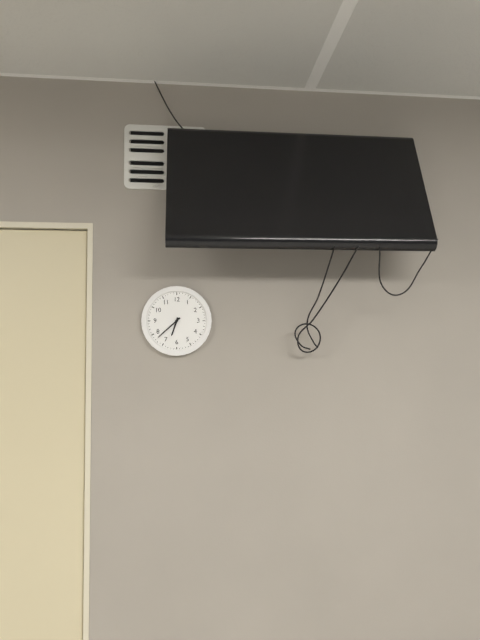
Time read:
**6:38**
